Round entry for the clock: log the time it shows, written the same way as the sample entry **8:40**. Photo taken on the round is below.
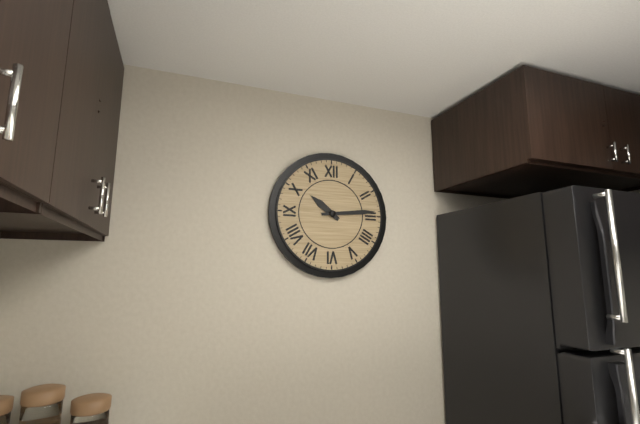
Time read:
**10:14**
